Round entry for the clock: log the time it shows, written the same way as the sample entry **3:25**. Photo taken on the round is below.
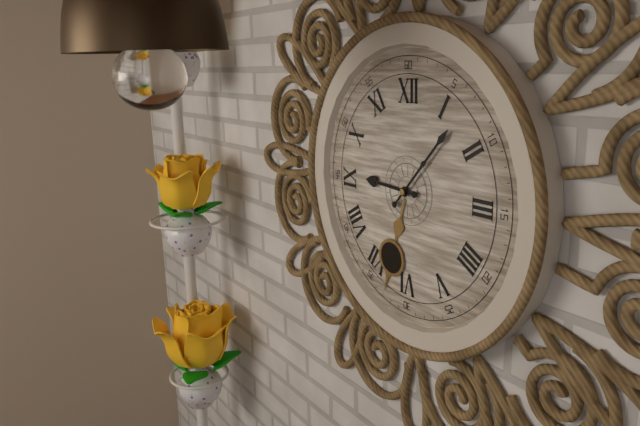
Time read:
**9:07**
